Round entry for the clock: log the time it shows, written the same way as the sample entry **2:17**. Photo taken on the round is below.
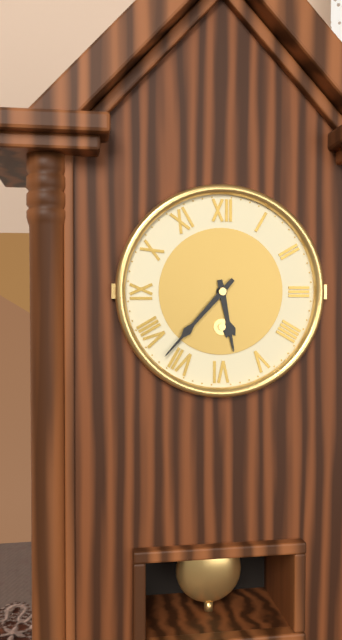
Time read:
**5:37**
